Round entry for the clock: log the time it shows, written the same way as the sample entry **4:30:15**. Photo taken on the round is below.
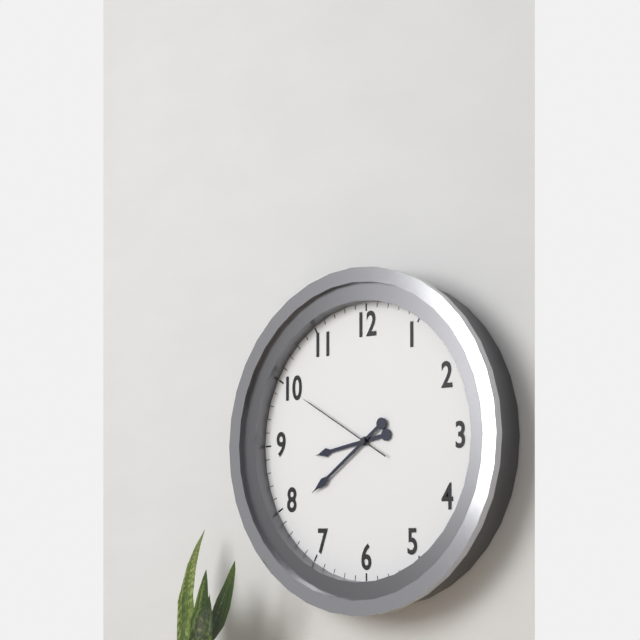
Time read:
**8:39:50**
